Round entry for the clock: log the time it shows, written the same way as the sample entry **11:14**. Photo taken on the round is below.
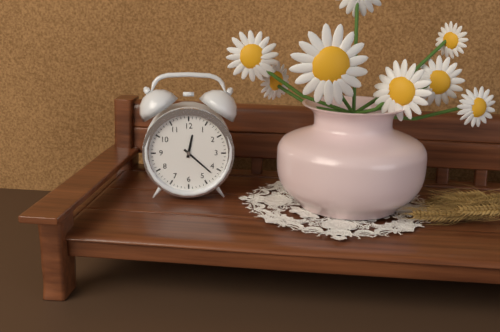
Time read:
**12:22**
